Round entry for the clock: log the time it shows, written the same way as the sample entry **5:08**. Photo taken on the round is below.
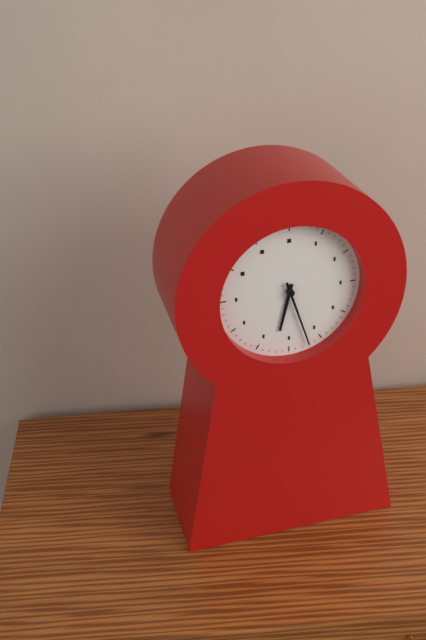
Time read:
**6:27**
